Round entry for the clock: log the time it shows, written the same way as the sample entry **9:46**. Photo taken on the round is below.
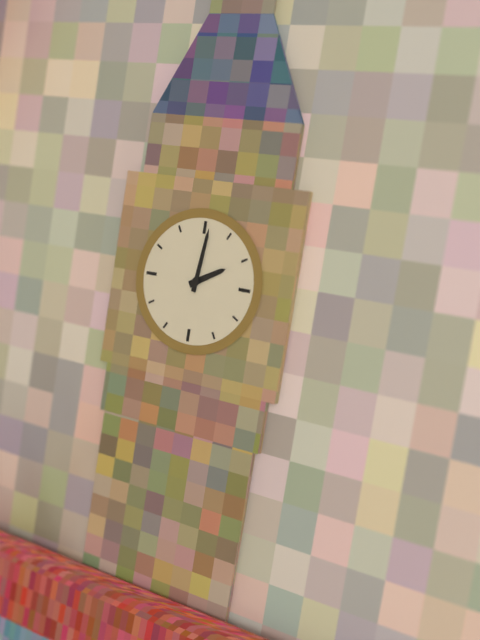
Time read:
**2:01**
